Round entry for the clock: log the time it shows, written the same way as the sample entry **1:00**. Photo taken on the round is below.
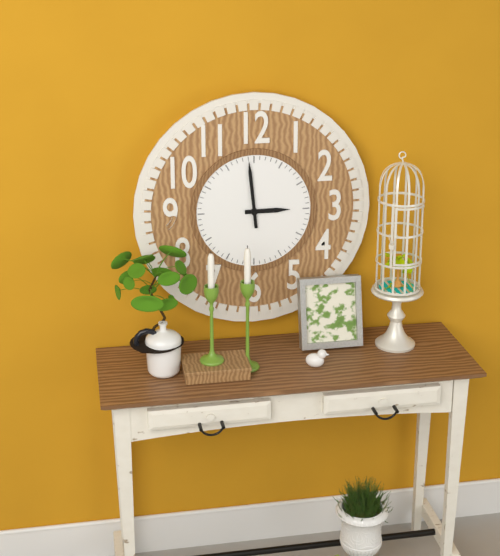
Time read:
**2:59**
